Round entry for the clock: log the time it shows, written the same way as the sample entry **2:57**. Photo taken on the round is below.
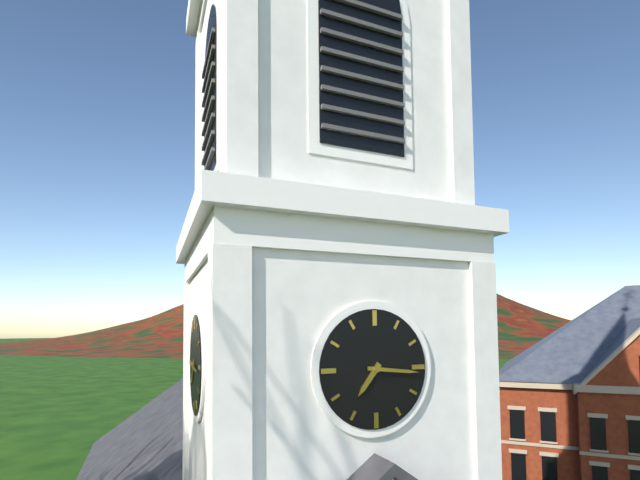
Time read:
**7:16**
